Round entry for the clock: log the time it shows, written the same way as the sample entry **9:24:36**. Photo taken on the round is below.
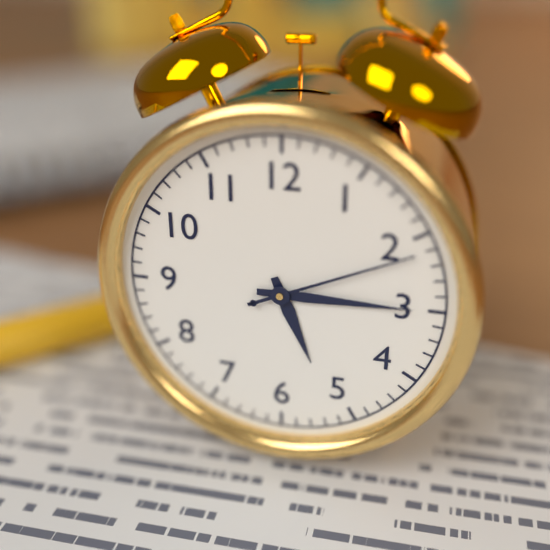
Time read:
**5:15:11**
